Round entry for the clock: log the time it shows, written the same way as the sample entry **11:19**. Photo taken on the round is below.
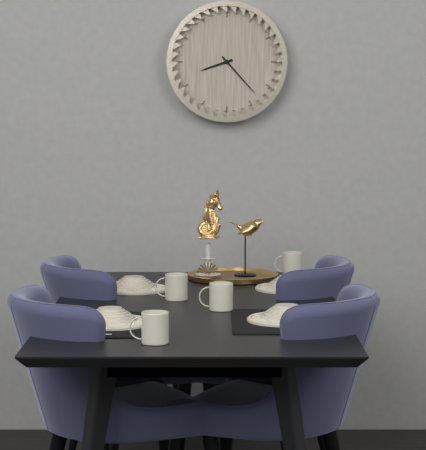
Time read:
**8:23**
